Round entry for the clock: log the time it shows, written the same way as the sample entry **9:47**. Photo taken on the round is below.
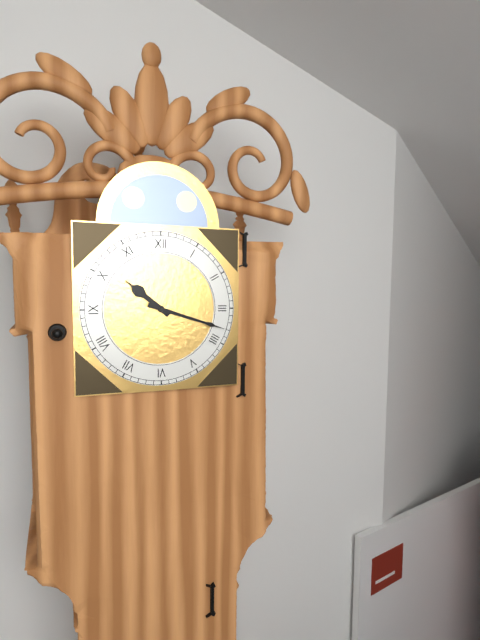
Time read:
**10:18**
